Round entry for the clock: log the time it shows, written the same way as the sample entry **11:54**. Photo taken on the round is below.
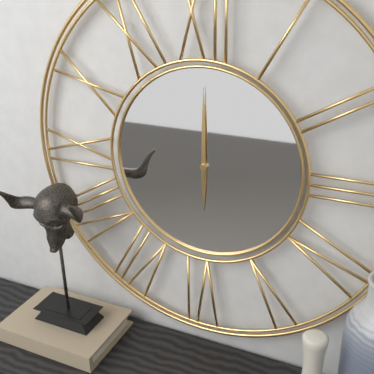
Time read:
**6:00**
